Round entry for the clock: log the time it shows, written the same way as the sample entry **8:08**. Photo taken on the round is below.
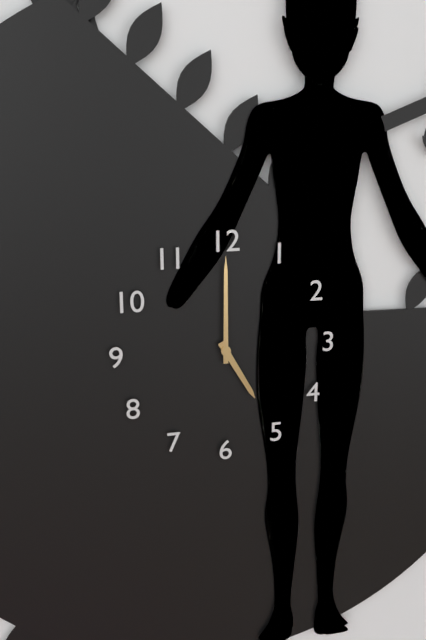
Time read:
**5:00**
